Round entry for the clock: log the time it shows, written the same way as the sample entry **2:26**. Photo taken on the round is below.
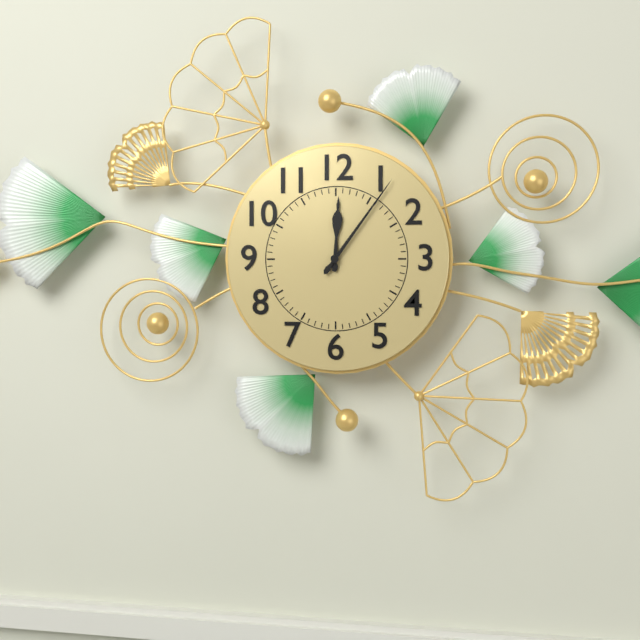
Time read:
**12:06**
